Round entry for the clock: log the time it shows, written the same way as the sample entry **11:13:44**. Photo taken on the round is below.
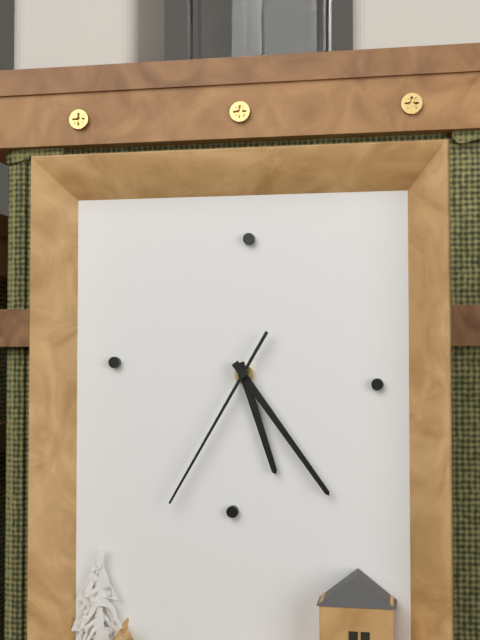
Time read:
**5:24:35**
